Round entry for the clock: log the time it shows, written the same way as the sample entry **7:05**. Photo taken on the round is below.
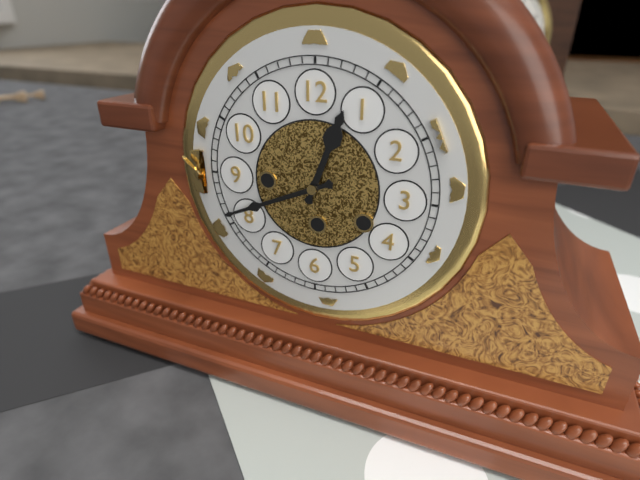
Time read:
**12:41**
